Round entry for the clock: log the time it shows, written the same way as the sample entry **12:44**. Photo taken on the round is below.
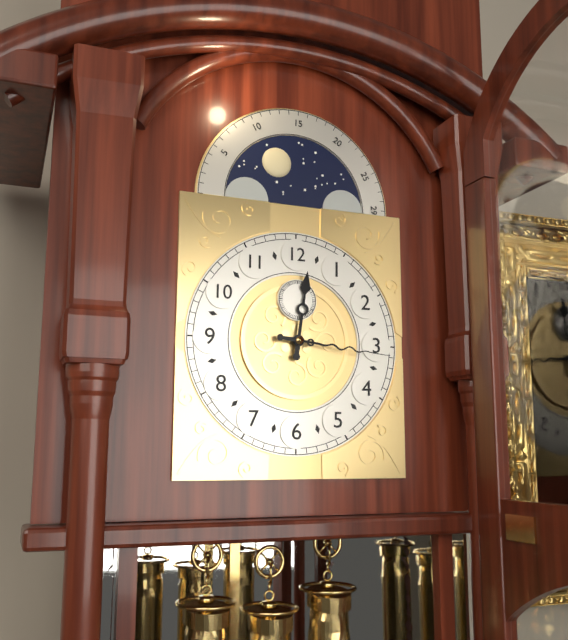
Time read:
**12:16**
